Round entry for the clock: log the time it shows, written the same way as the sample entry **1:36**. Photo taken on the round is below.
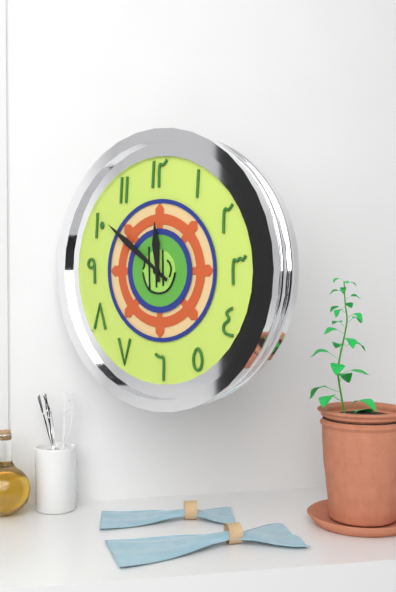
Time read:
**11:51**
